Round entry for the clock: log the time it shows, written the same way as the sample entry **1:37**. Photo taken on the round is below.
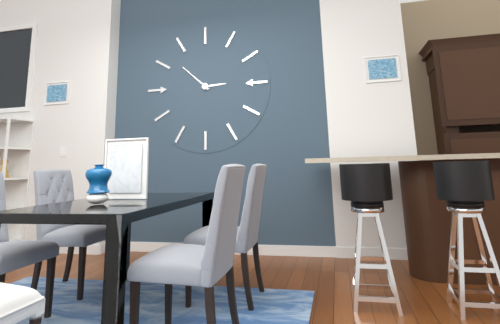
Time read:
**2:52**
